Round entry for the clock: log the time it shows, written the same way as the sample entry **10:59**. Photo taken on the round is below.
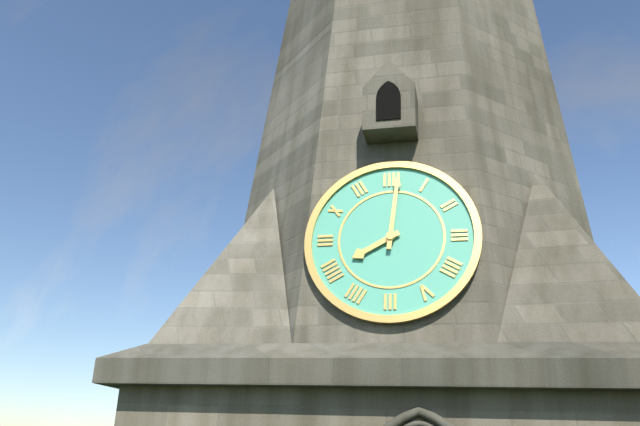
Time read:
**8:01**
